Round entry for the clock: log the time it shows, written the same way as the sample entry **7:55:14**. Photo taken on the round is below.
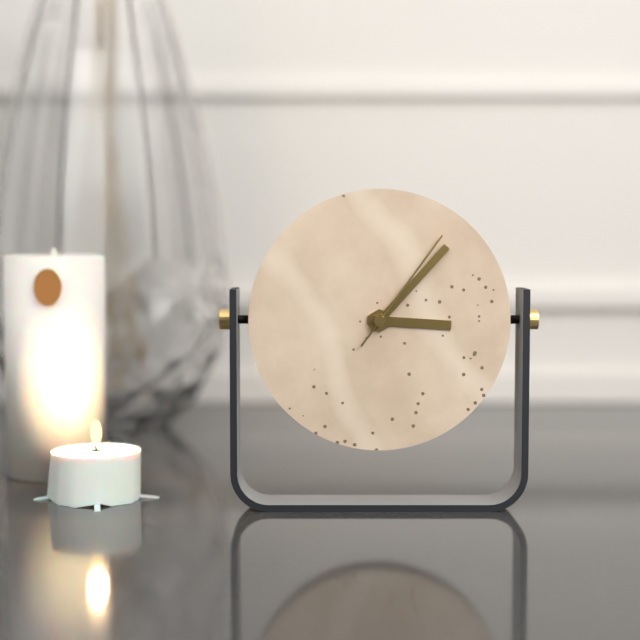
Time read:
**3:07:06**
